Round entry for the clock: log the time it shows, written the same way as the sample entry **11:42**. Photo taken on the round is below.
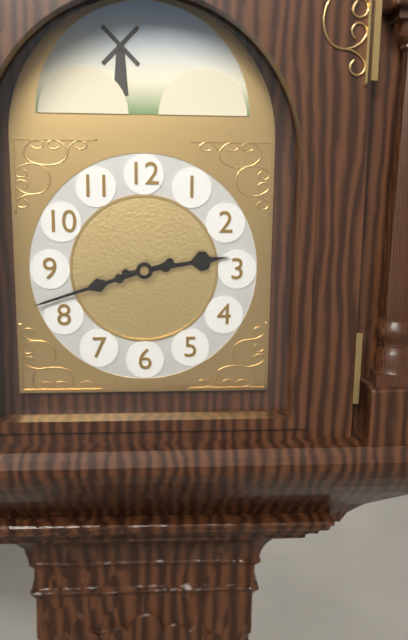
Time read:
**2:42**
